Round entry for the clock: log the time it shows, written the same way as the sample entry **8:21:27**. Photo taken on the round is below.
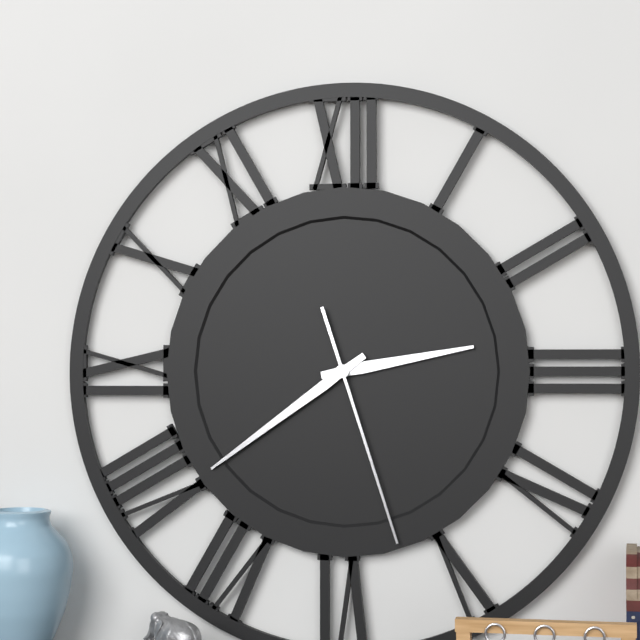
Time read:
**2:39:27**
